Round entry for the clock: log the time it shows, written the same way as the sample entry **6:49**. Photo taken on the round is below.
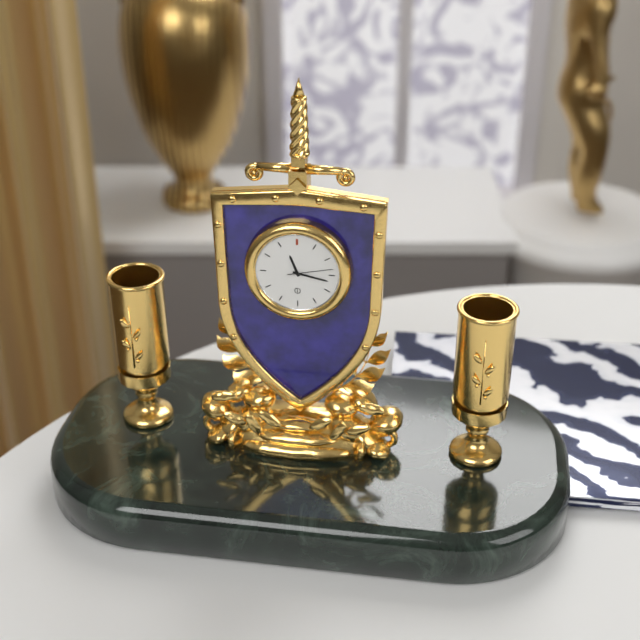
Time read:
**11:17**
